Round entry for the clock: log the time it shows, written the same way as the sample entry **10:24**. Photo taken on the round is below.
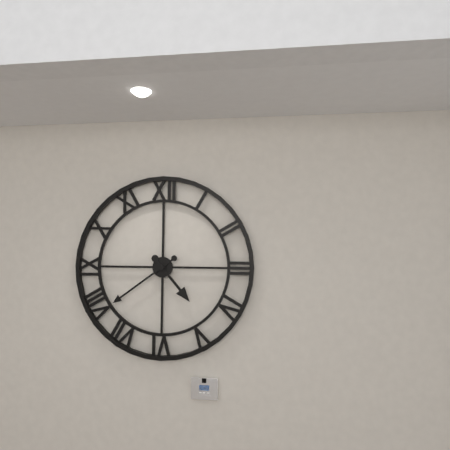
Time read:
**4:39**
